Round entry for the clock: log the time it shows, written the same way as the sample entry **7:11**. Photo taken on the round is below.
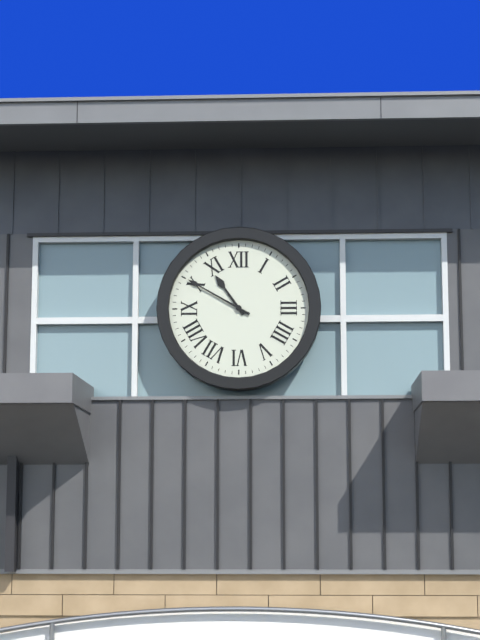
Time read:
**10:50**
